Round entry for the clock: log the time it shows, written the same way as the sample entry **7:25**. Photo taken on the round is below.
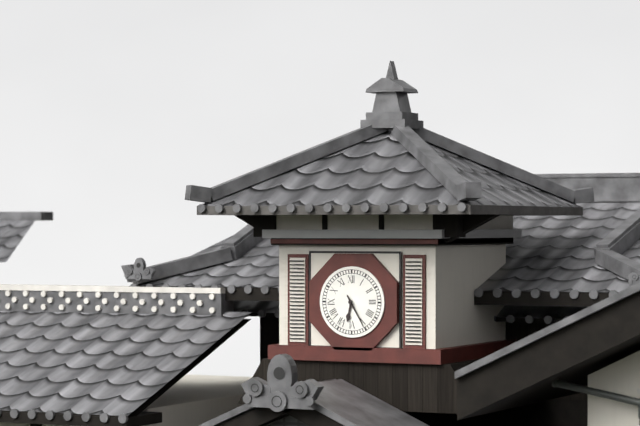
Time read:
**6:25**
